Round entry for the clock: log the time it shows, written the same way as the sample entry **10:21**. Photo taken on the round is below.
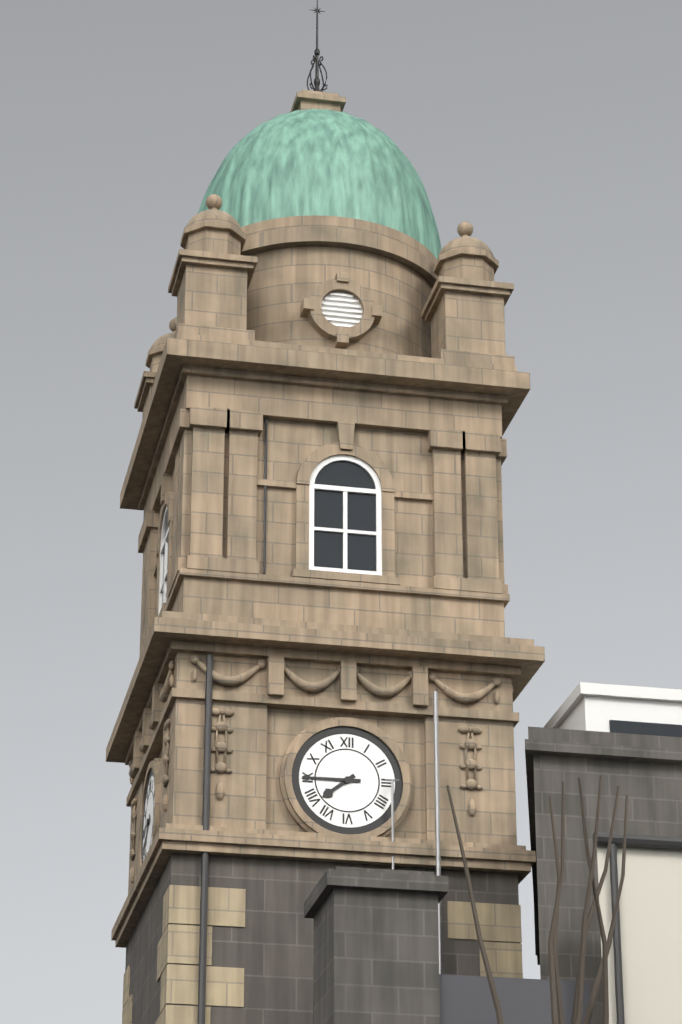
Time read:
**7:45**
